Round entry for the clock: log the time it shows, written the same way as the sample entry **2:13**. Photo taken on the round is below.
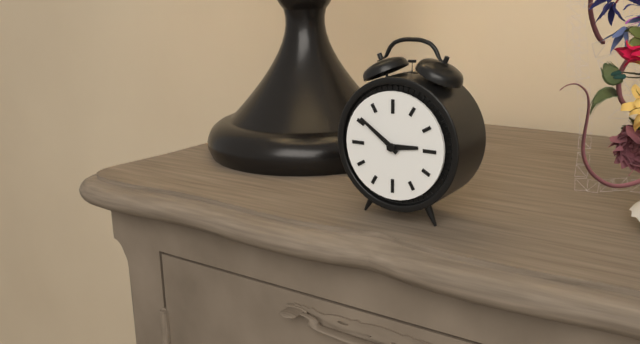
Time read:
**2:51**
